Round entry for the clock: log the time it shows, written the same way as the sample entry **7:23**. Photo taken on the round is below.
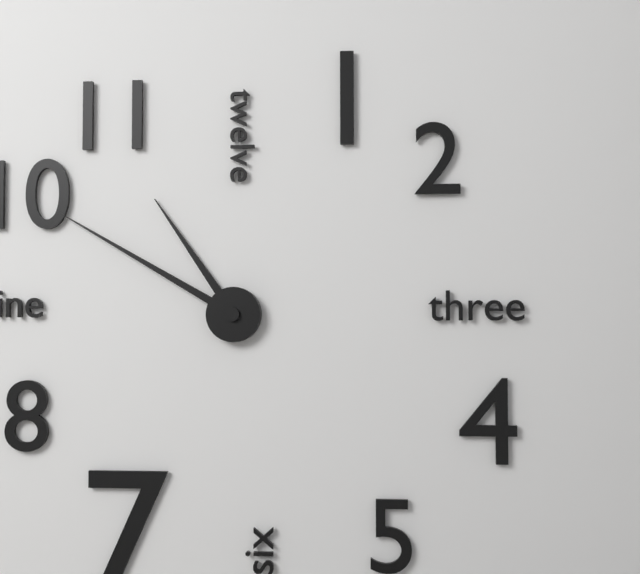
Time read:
**10:50**
